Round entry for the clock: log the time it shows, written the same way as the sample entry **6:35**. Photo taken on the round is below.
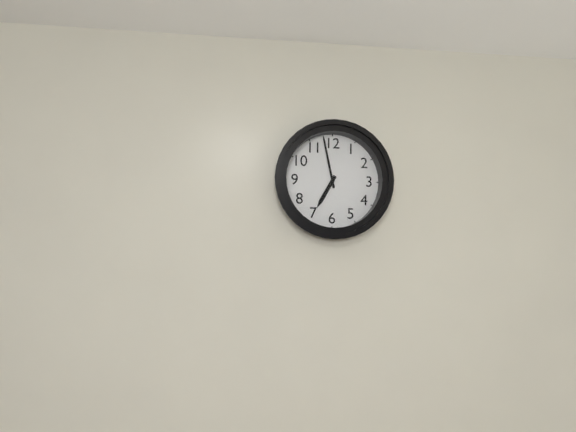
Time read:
**6:58**
